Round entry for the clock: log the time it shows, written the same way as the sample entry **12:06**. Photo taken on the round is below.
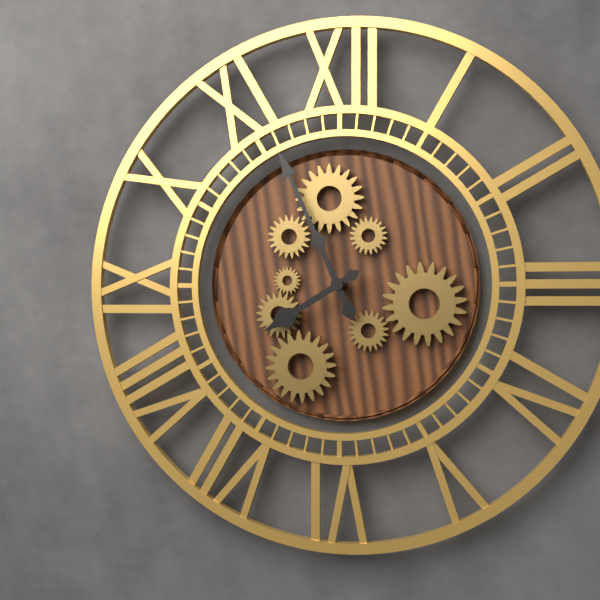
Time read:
**7:56**
